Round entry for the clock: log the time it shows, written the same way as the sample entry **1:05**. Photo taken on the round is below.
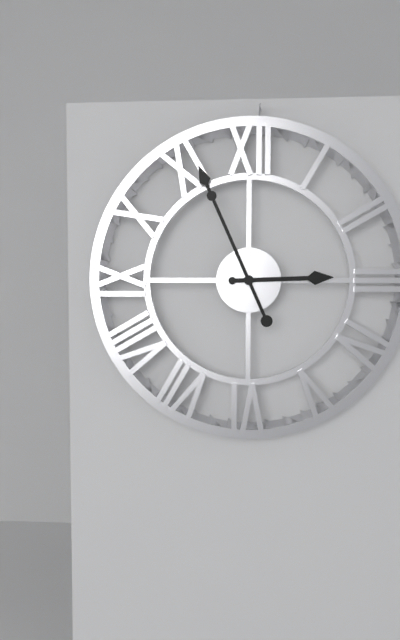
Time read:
**2:56**
